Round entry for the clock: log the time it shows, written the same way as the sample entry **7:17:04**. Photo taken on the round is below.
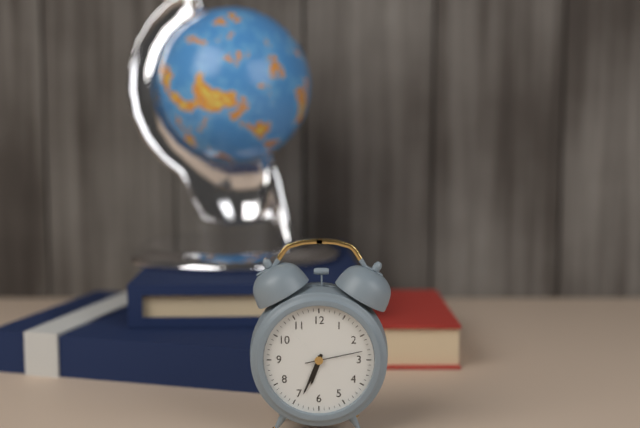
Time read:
**6:34:13**
